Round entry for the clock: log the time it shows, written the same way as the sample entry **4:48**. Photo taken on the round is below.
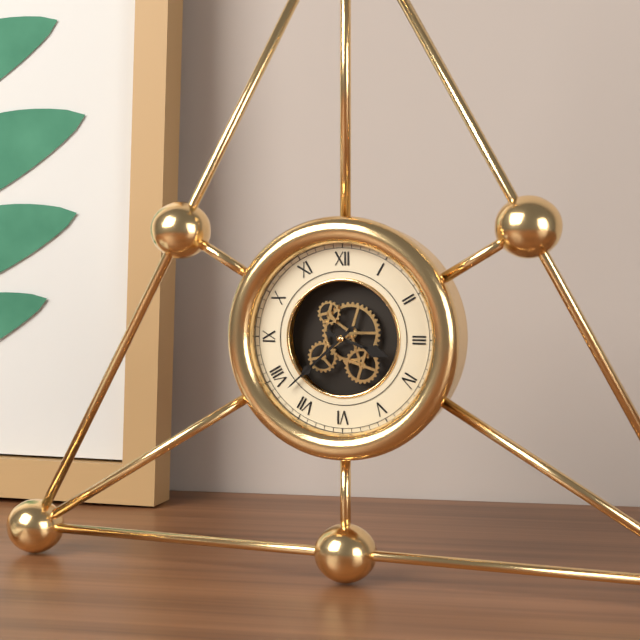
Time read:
**3:38**
